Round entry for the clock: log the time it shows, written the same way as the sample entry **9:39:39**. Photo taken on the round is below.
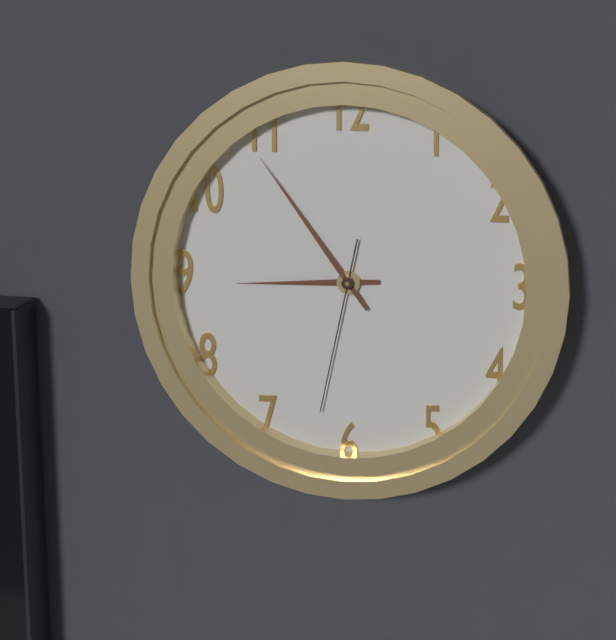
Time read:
**8:54:32**
